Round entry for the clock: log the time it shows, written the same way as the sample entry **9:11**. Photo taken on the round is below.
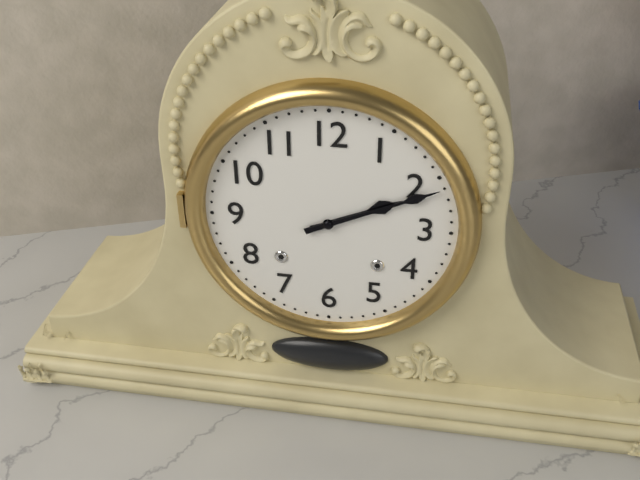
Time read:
**2:11**
